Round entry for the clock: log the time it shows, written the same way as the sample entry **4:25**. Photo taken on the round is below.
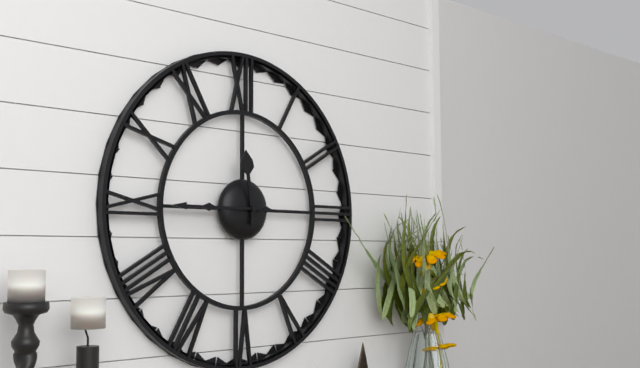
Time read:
**11:45**
